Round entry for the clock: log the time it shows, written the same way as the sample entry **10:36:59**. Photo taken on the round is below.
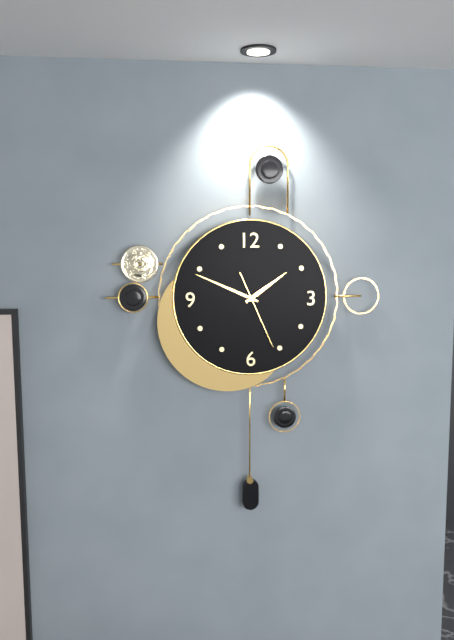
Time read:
**1:49:26**
